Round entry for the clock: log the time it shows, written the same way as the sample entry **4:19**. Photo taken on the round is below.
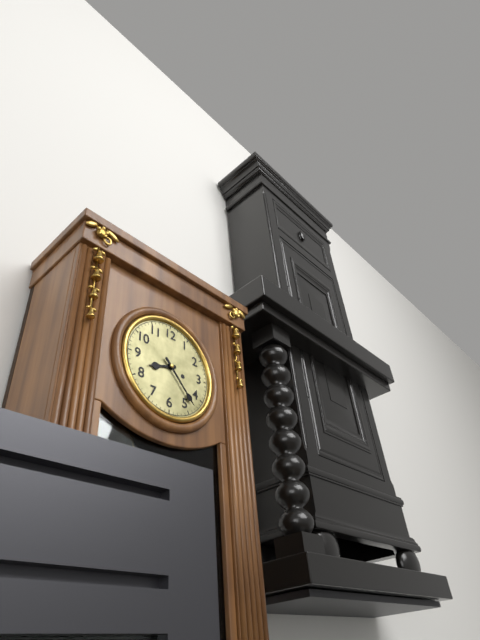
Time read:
**8:23**
